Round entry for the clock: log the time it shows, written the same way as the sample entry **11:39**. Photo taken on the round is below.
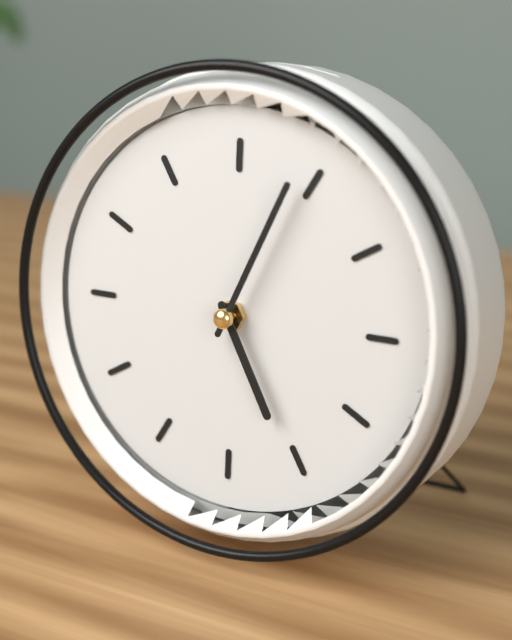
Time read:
**5:04**
